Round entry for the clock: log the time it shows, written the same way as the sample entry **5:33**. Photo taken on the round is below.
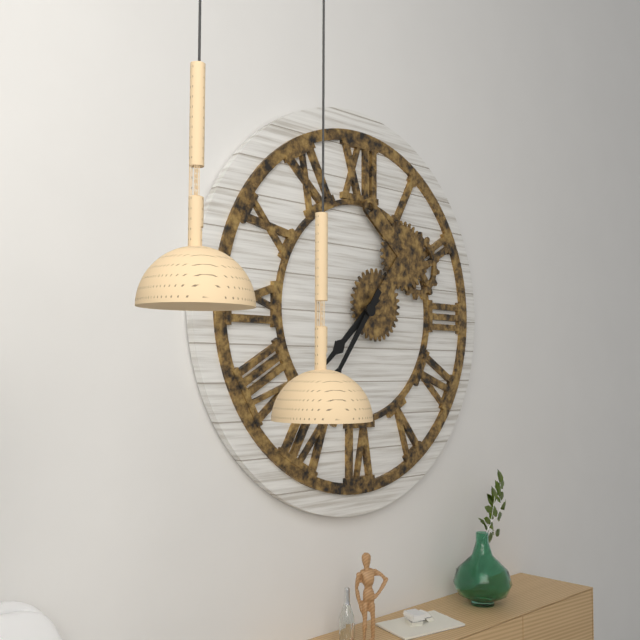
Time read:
**7:36**
